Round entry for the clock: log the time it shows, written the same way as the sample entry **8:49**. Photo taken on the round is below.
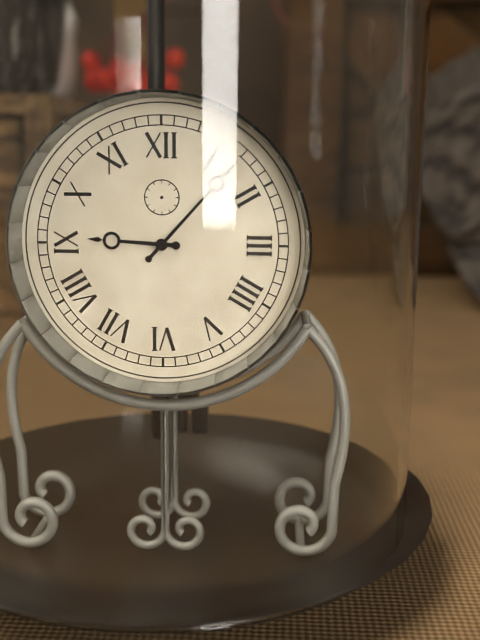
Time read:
**9:07**
